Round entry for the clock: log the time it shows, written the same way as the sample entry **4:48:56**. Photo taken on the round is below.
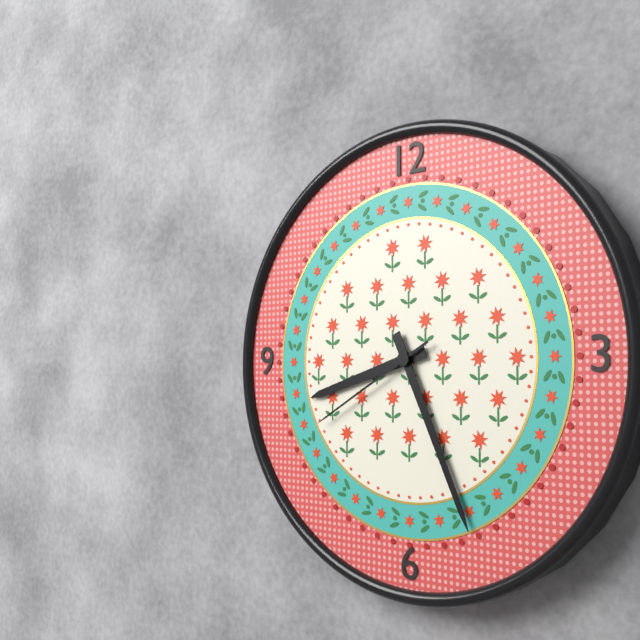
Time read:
**8:26:40**
